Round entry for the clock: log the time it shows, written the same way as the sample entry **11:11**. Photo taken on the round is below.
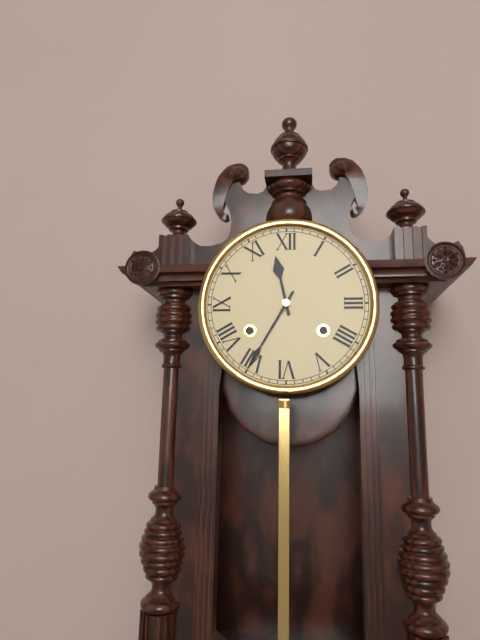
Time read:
**11:35**
